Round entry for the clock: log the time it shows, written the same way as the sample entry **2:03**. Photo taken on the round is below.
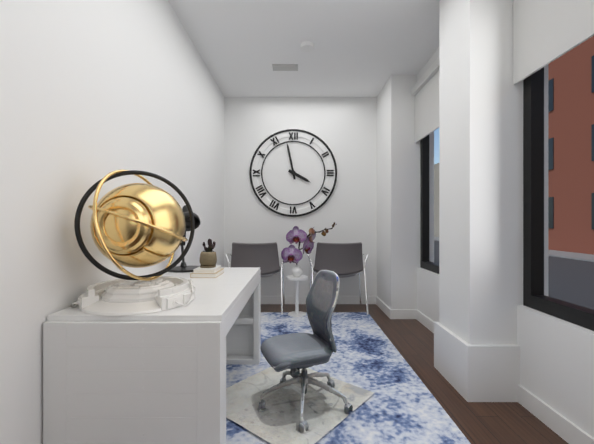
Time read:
**3:58**
